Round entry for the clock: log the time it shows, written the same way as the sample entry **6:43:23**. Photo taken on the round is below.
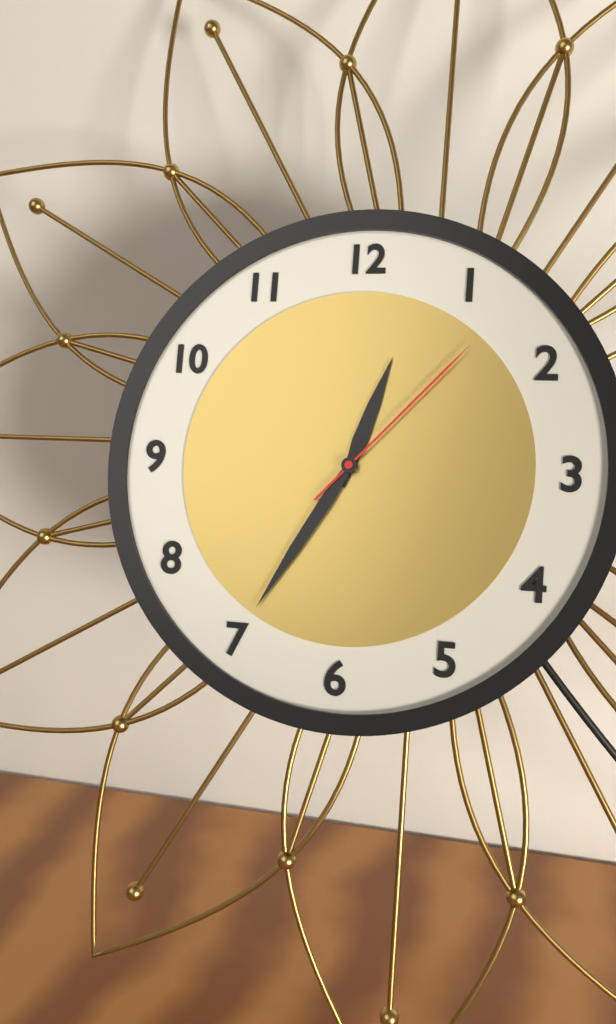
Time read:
**12:35:07**
